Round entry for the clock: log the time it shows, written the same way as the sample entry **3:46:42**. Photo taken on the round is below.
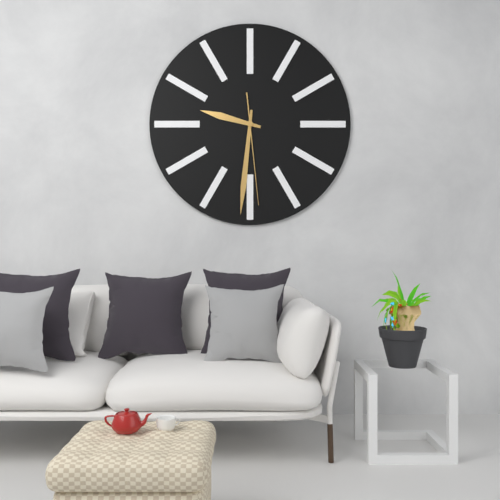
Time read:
**9:31:29**
